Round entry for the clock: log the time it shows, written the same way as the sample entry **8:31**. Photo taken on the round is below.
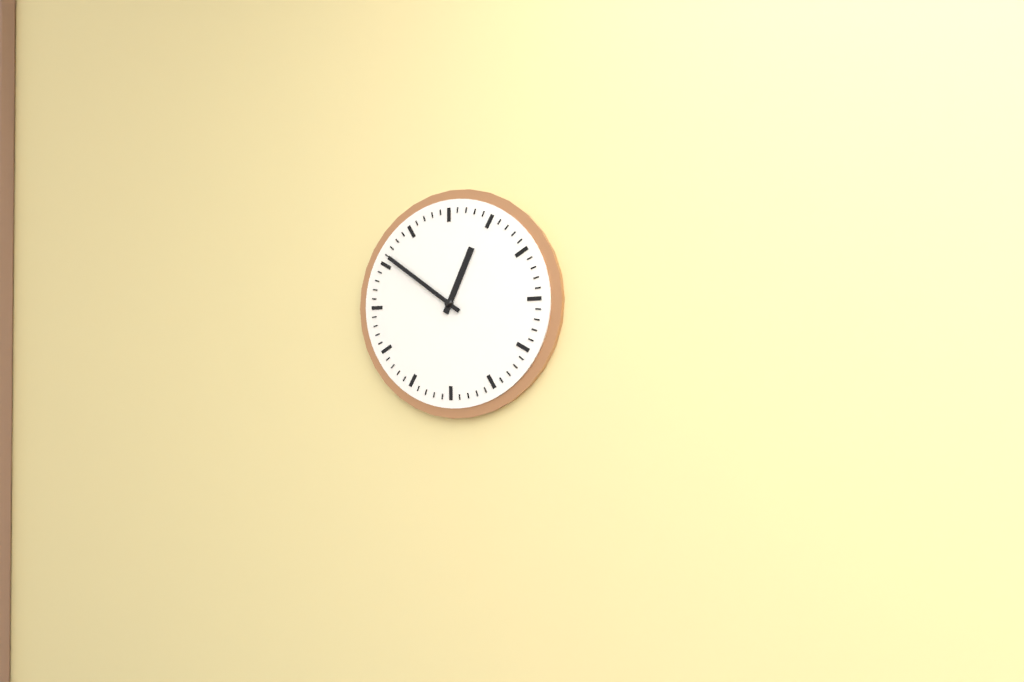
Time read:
**12:51**
